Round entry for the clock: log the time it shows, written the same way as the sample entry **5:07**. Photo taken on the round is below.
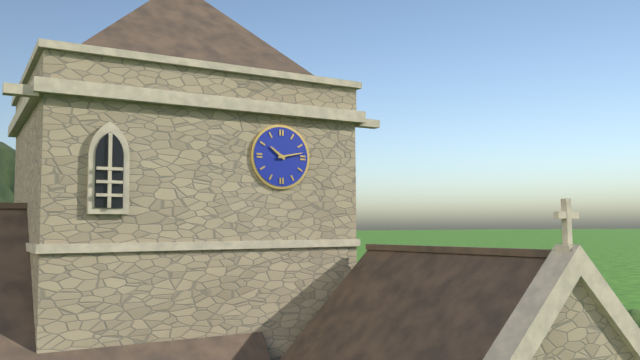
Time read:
**10:13**
